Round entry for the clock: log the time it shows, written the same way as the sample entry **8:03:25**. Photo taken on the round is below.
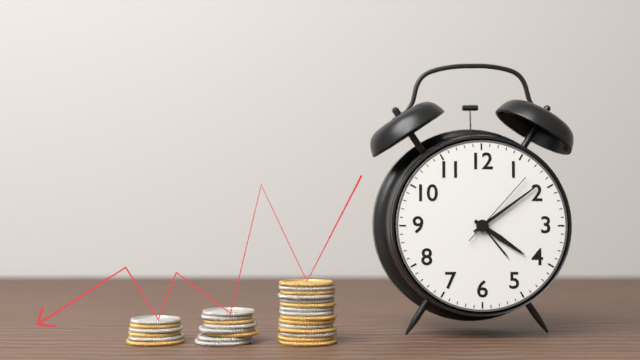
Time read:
**4:09:07**
